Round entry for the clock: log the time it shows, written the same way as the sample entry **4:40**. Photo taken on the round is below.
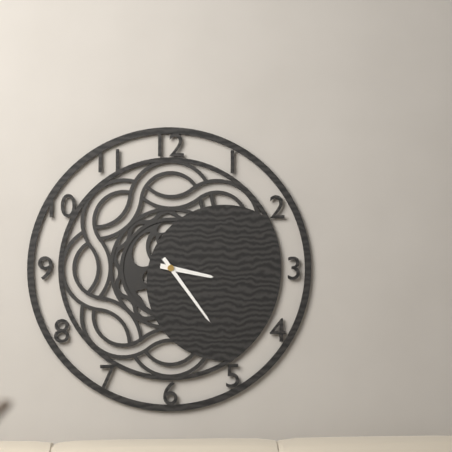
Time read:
**3:24**
